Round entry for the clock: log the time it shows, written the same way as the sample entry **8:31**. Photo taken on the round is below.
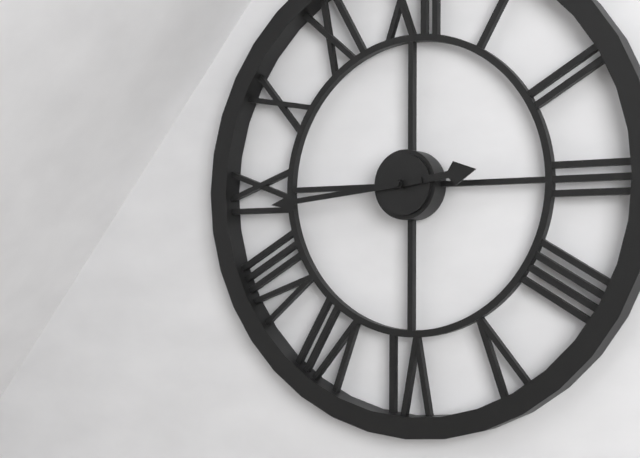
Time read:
**2:44**
